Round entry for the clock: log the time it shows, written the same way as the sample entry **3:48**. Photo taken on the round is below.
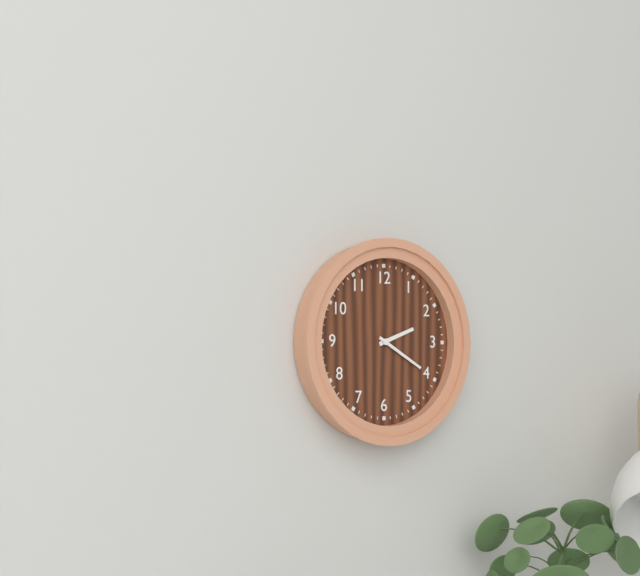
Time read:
**2:20**
